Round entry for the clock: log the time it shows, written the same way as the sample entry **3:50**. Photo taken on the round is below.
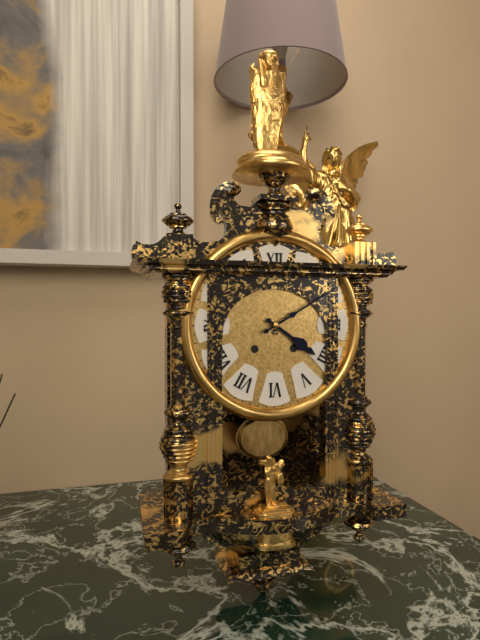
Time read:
**4:10**
